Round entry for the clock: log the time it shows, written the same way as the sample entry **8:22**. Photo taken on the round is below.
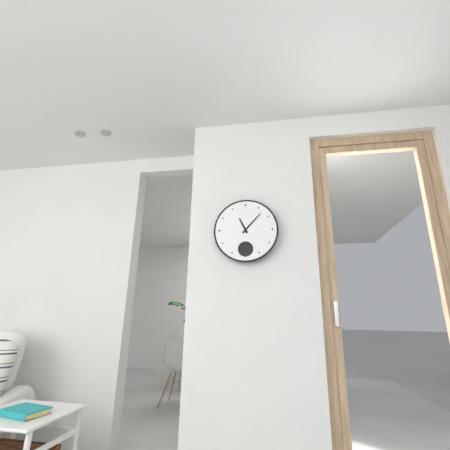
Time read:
**11:07**
